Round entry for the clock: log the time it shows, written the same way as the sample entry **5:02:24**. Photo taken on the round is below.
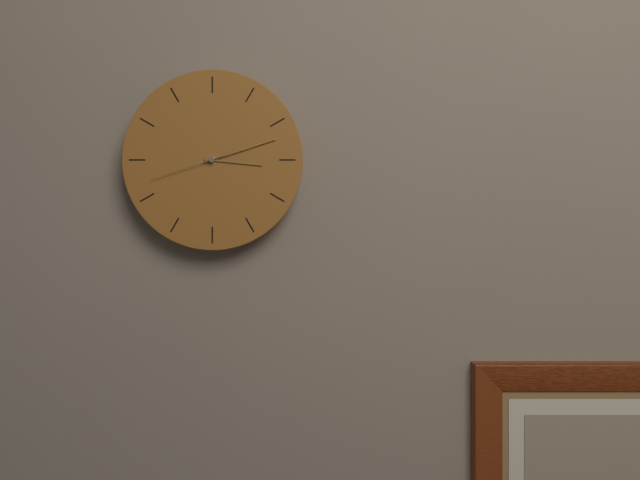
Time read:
**3:12:42**
